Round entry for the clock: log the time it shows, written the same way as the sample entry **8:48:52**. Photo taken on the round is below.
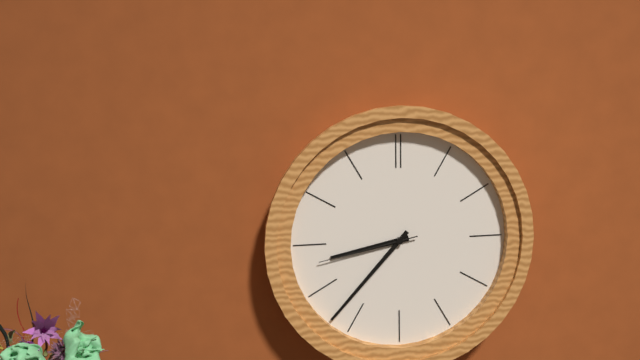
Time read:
**8:37:43**
